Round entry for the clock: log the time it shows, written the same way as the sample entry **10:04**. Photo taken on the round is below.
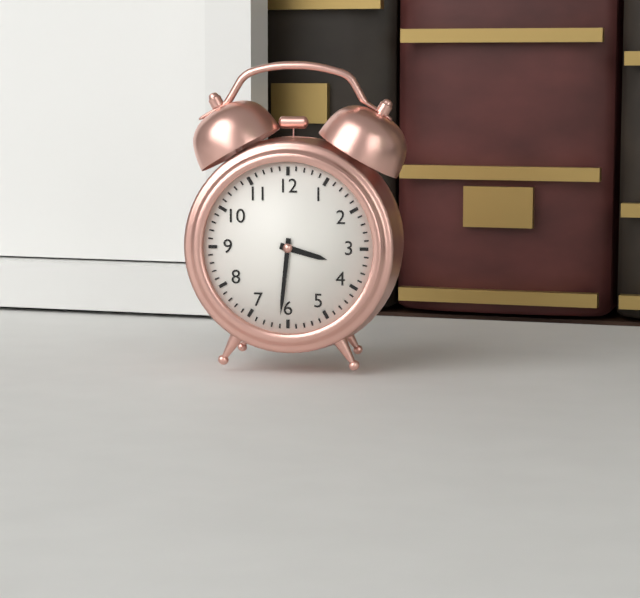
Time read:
**3:31**
